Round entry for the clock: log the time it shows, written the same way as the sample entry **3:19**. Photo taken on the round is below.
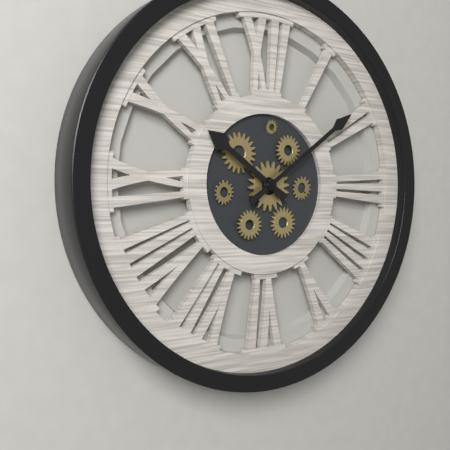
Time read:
**10:09**
